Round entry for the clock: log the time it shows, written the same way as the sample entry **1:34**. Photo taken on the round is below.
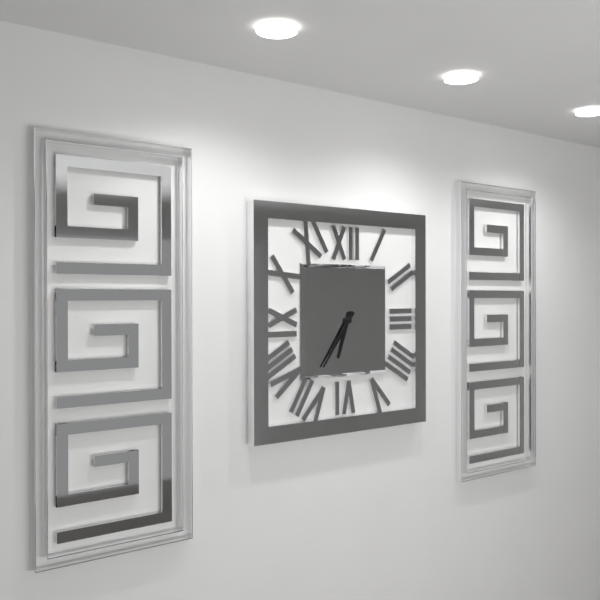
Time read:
**6:36**
